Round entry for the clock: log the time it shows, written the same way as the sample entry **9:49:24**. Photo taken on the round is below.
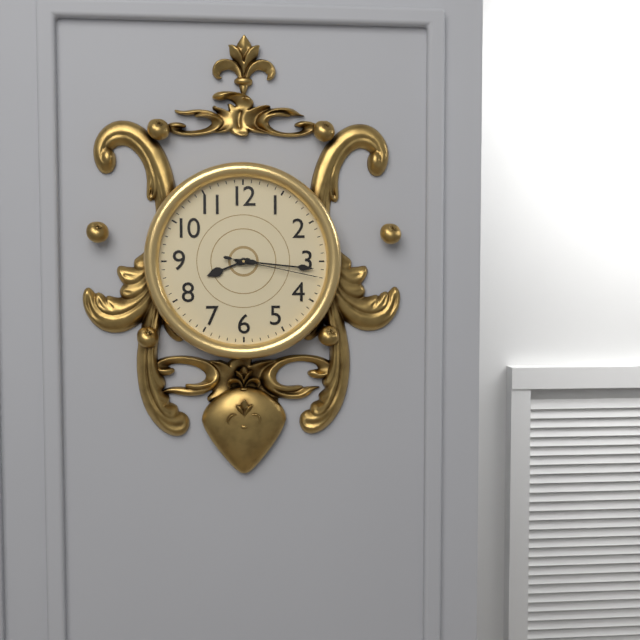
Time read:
**8:16:17**
